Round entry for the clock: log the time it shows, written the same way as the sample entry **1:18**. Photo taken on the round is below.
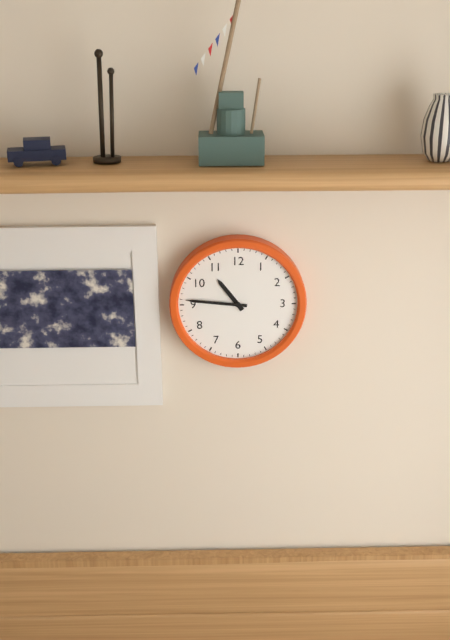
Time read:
**10:46**
